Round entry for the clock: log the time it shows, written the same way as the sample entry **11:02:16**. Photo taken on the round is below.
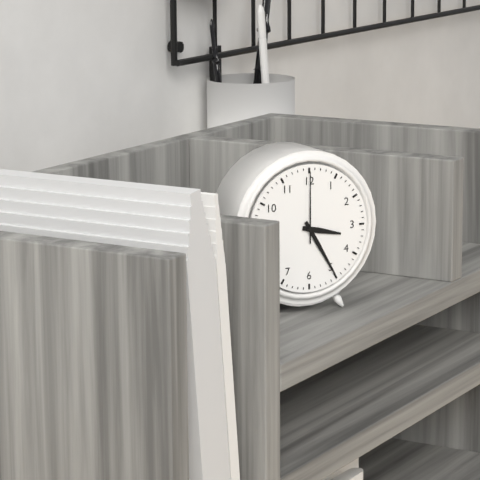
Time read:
**3:25:00**
